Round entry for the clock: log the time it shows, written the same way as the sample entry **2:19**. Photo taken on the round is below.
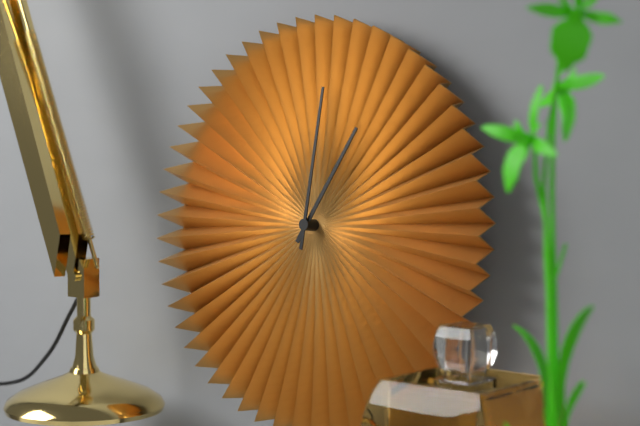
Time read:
**1:01**
